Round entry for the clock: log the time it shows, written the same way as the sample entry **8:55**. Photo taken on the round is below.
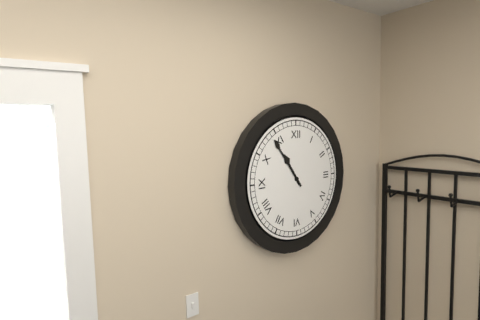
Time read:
**10:54**
